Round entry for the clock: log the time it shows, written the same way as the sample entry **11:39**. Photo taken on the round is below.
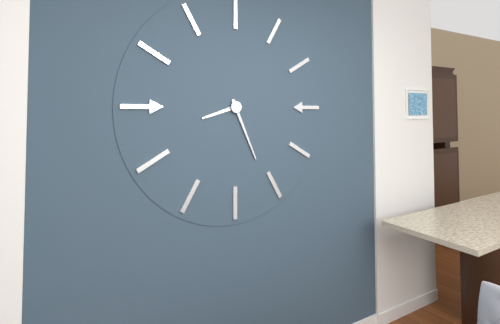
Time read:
**8:26**
